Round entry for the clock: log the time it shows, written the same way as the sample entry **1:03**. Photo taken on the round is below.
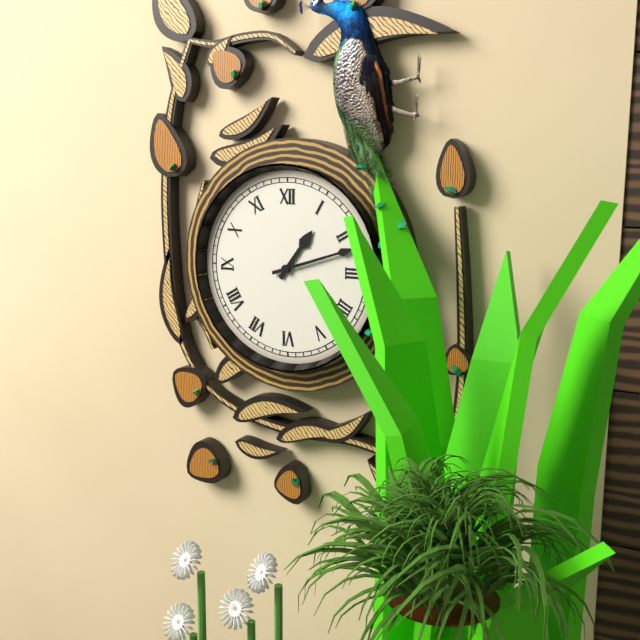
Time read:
**1:12**
